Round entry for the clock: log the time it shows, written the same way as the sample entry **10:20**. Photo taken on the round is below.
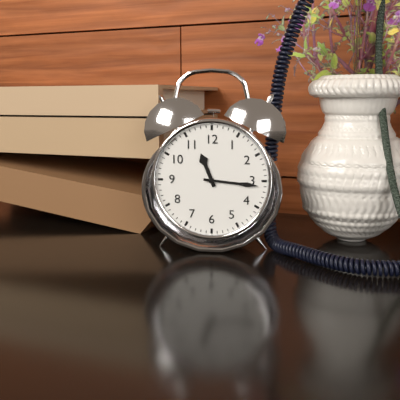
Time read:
**11:16**
